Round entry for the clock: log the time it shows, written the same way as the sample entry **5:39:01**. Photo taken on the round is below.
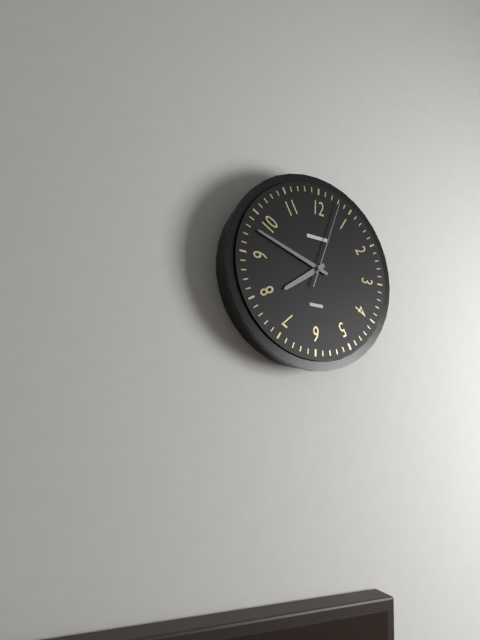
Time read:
**7:48:03**
